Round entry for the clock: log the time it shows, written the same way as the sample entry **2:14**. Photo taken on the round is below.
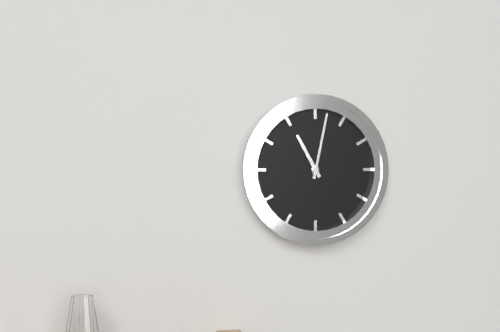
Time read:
**11:02**
